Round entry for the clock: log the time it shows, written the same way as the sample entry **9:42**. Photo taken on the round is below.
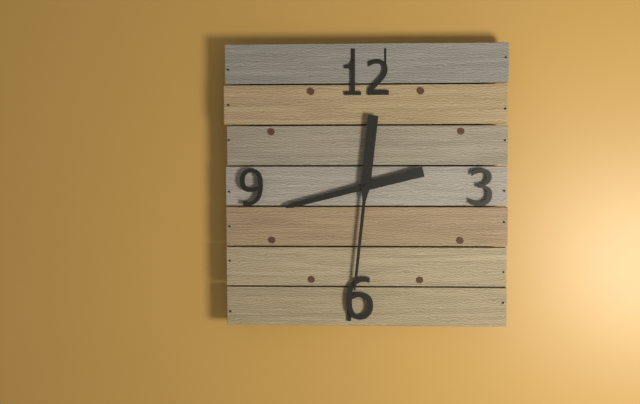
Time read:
**8:31**
